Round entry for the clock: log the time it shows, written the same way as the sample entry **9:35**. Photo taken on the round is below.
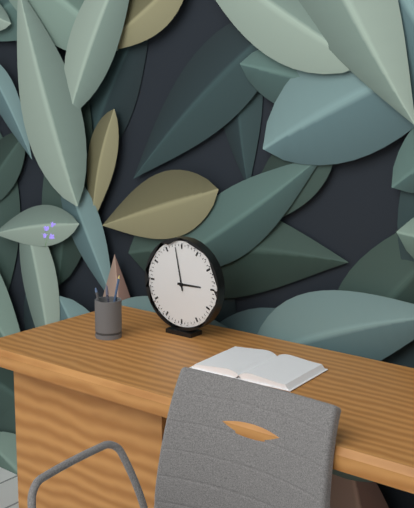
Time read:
**2:58**
